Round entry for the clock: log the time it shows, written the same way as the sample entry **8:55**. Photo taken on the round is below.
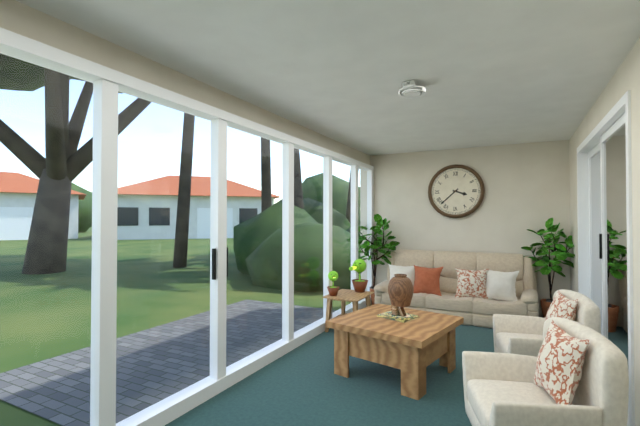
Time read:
**3:38**
